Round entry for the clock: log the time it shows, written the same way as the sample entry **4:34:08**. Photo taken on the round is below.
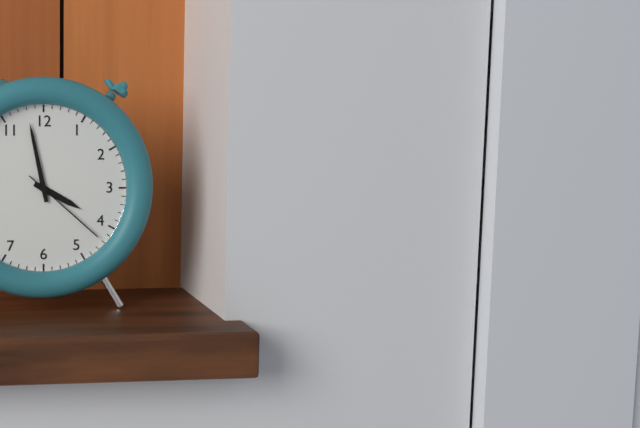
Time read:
**3:58:22**
